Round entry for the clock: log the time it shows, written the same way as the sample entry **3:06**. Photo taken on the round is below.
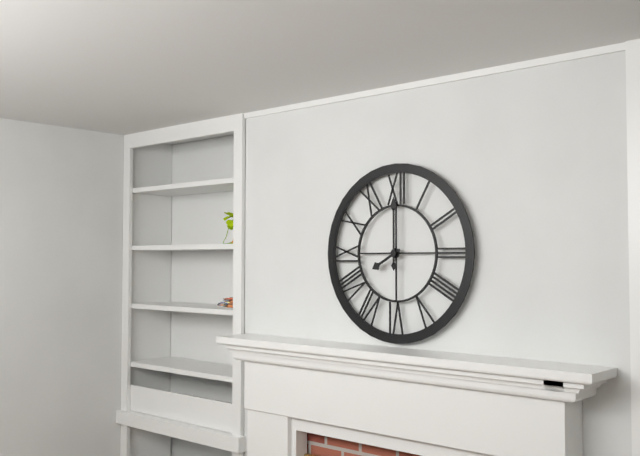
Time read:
**8:00**
